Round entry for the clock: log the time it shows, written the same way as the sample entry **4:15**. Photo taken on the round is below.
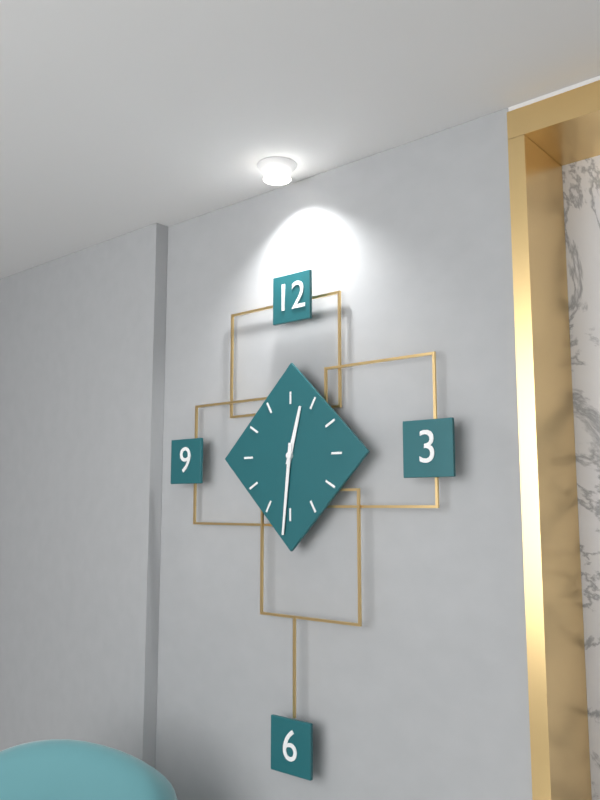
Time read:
**12:31**
